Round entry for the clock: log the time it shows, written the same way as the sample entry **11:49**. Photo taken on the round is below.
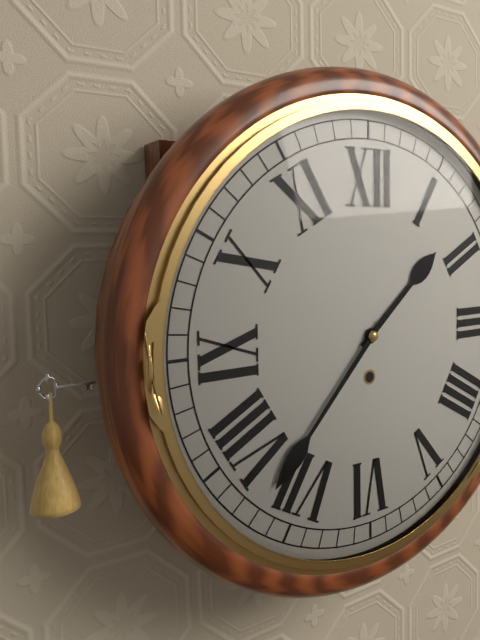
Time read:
**1:37**
